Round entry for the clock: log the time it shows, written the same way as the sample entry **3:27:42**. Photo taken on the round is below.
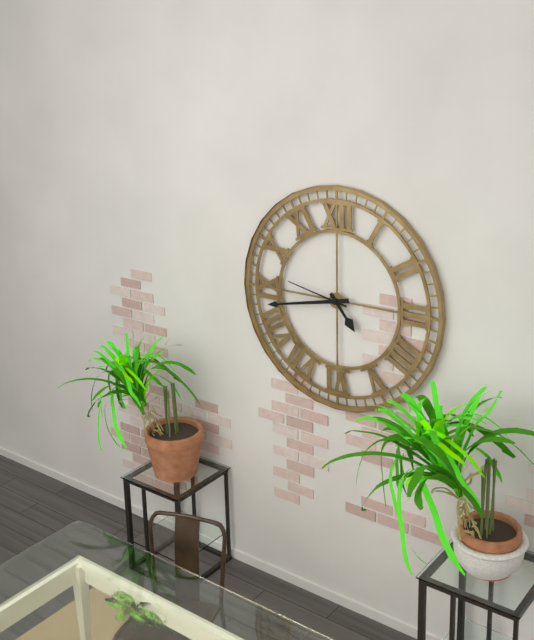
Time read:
**4:43:47**
